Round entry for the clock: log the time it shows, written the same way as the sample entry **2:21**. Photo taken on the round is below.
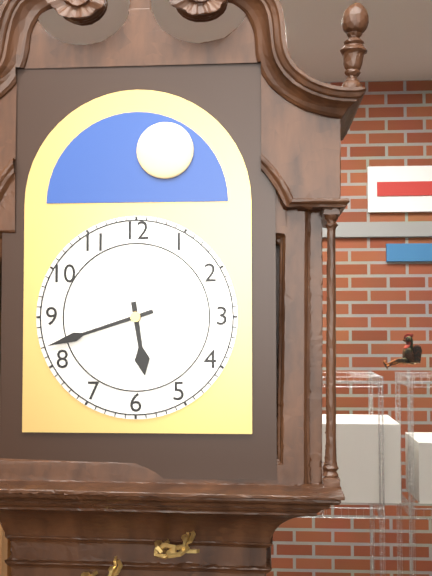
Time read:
**5:42**
